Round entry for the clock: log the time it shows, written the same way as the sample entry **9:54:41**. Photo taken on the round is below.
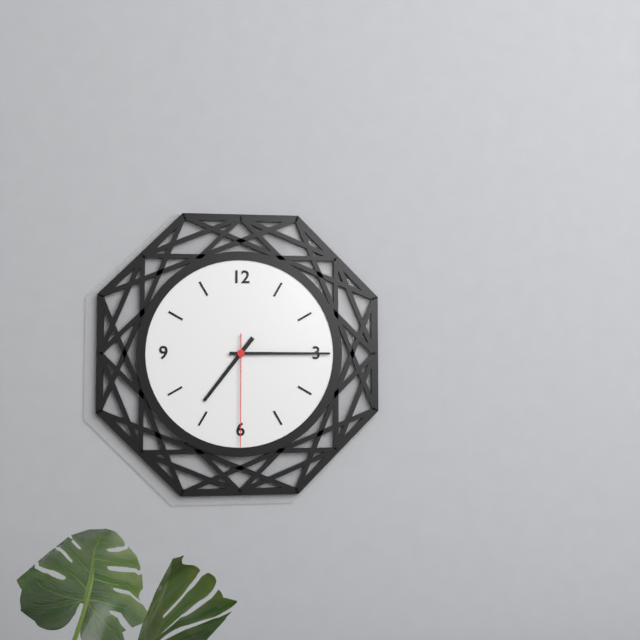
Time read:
**7:15:30**
